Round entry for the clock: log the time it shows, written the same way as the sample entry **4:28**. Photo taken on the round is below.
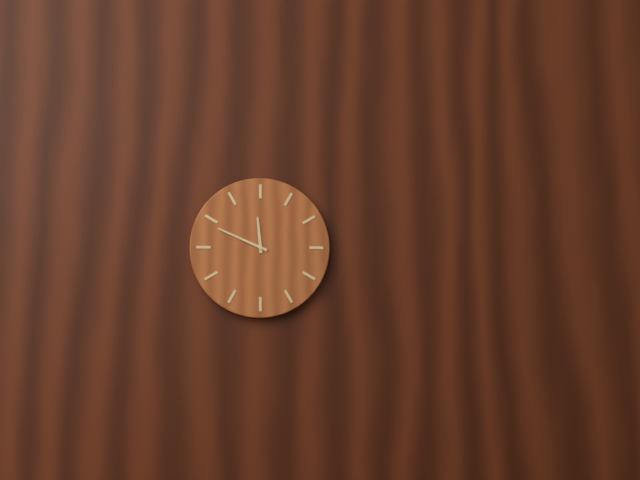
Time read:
**11:49**
